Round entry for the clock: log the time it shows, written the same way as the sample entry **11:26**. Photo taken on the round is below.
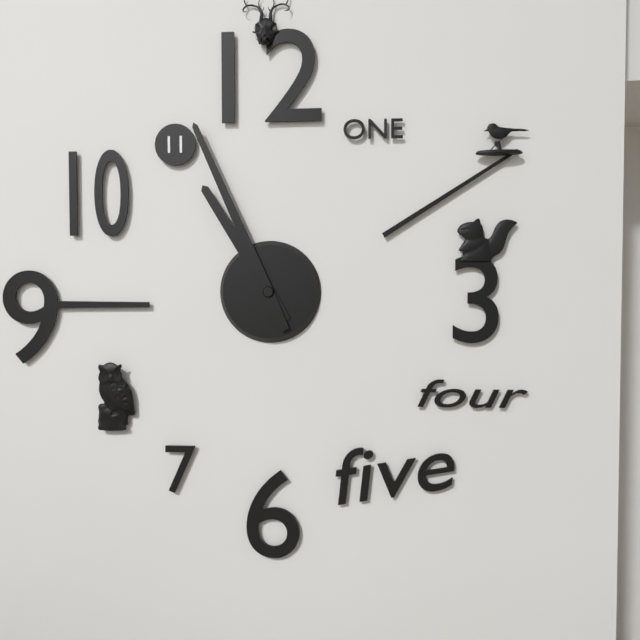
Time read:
**10:56**
